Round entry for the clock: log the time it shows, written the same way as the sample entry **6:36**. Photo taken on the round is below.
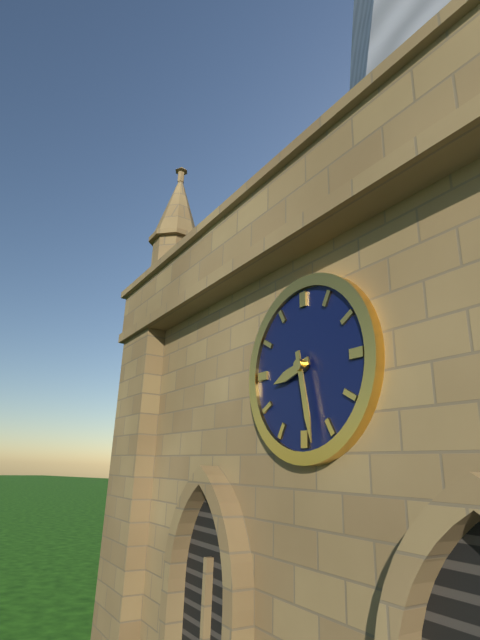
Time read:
**8:28**
